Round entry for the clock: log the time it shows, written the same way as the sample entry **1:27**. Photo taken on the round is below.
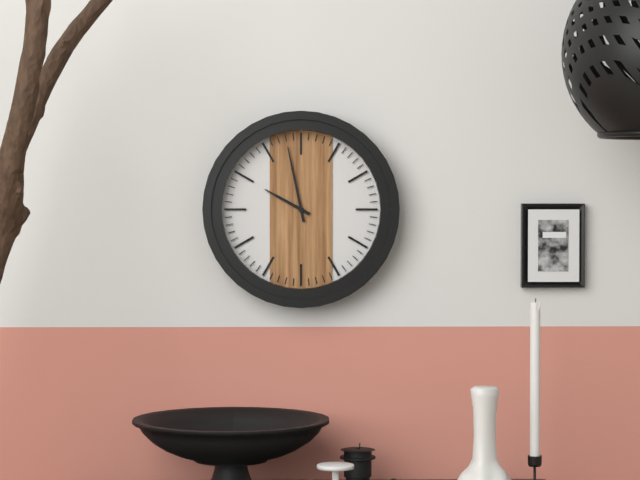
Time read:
**9:58**
